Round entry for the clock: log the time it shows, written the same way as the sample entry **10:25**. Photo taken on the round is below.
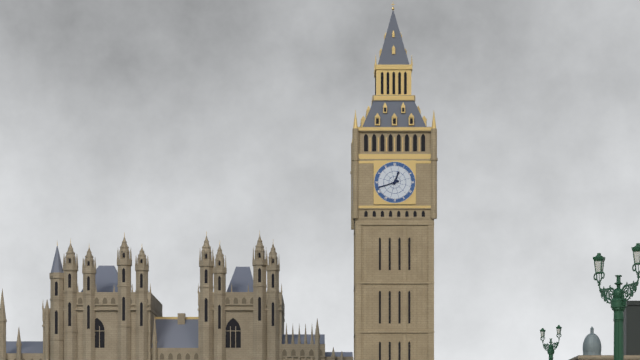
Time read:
**12:42**
